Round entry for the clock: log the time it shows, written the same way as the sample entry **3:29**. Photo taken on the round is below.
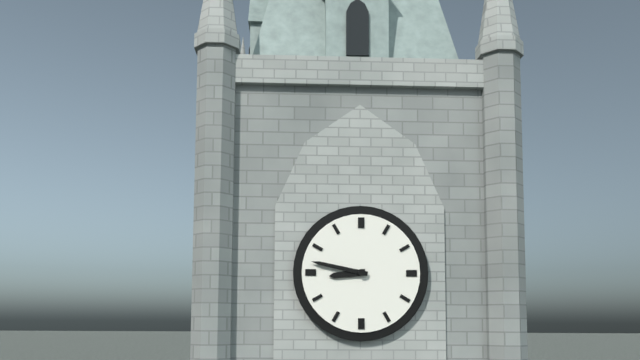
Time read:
**8:47**
